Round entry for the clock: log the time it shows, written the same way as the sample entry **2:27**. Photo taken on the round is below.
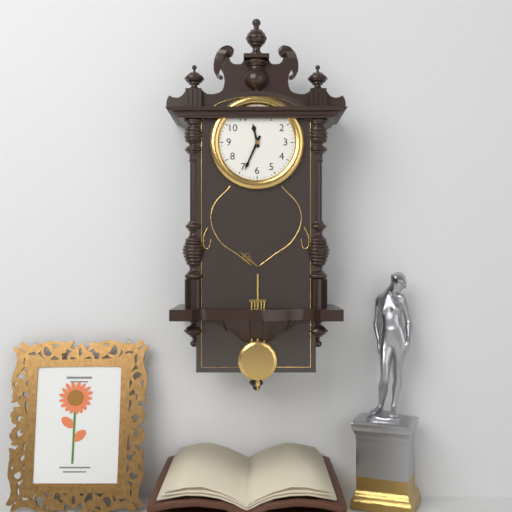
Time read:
**11:34**
